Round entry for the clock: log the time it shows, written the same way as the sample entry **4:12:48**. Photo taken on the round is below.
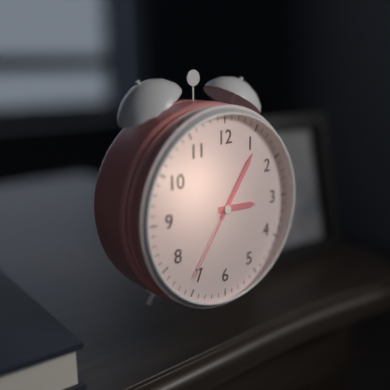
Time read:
**3:06:36**
